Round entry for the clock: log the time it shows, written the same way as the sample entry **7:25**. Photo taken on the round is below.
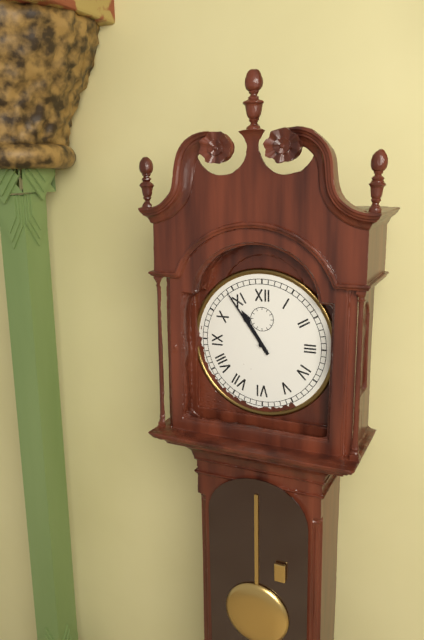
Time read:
**10:54**
